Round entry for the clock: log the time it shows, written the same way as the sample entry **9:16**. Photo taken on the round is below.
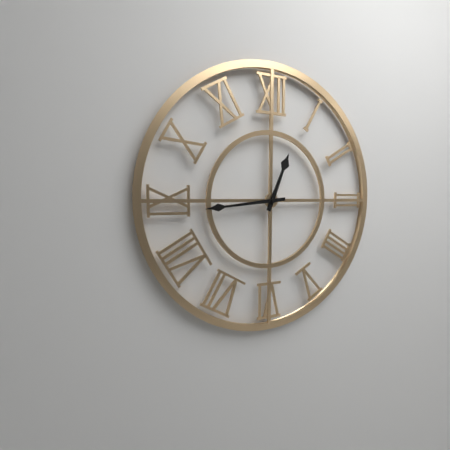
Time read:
**12:44**
